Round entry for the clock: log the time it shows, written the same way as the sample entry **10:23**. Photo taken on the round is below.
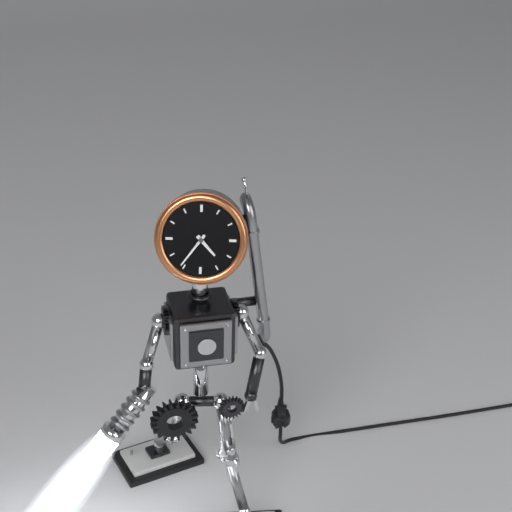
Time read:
**4:36**
